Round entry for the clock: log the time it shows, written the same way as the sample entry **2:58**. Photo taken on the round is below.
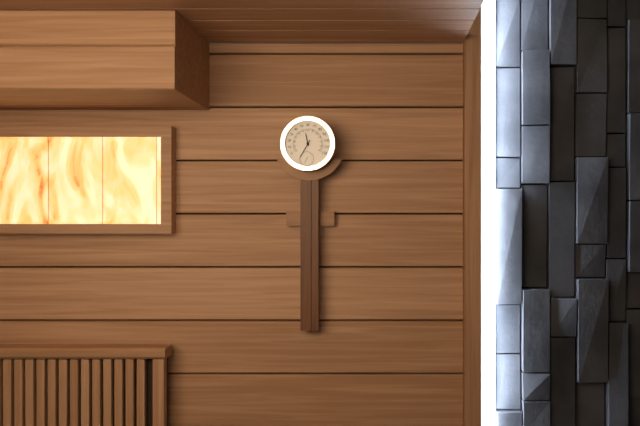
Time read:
**11:35**
